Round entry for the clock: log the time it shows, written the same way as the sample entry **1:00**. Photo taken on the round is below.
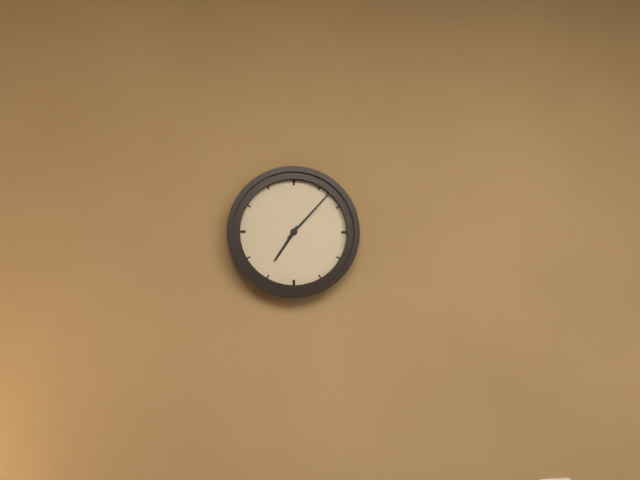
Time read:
**7:07**
